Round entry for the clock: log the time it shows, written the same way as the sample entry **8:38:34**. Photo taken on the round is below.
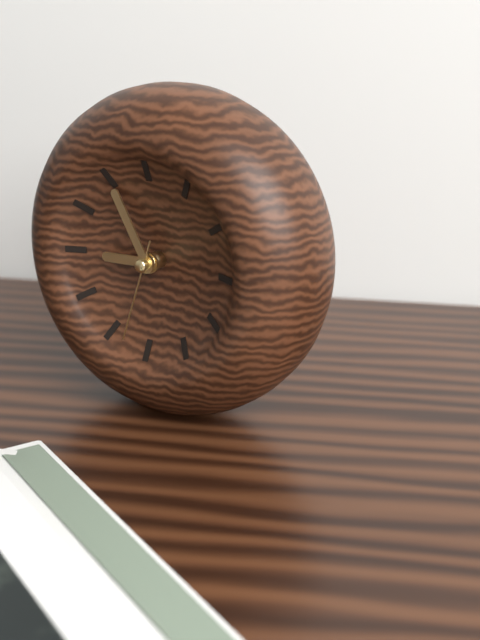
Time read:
**8:55:33**
